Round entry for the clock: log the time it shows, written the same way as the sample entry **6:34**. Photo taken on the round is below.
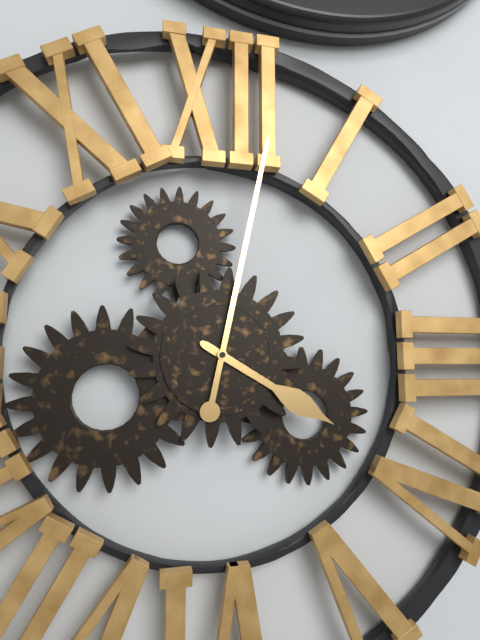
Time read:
**4:02**
